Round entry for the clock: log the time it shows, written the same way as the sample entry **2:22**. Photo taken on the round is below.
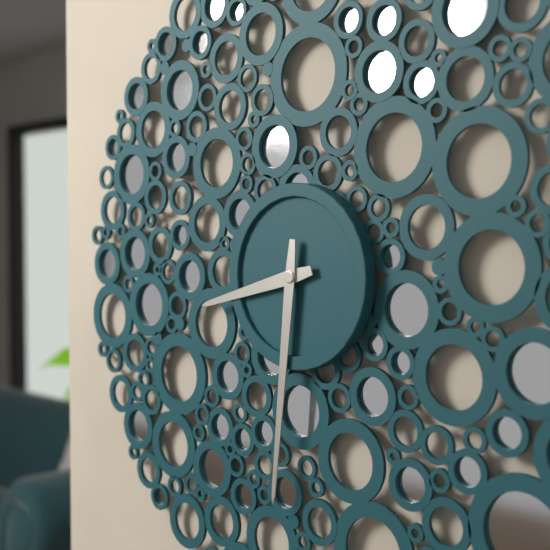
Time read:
**8:31**
